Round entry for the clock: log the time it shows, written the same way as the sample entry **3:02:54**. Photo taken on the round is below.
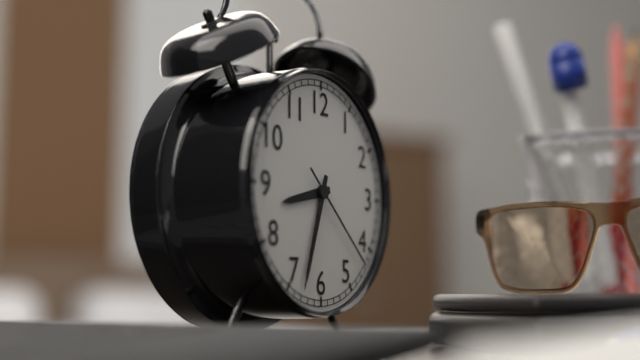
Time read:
**8:33:22**
